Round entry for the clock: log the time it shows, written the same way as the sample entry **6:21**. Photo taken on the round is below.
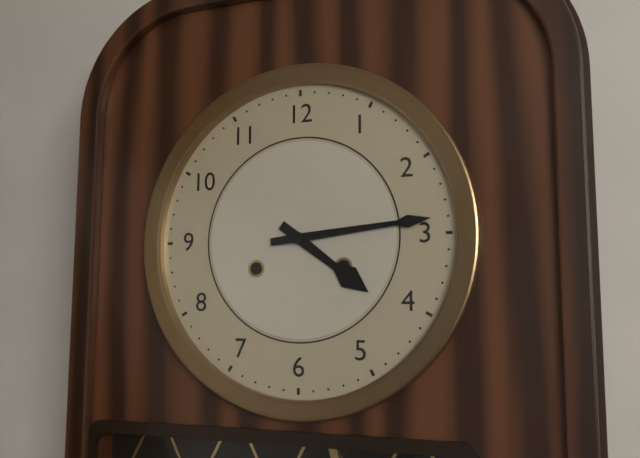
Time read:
**4:14**
